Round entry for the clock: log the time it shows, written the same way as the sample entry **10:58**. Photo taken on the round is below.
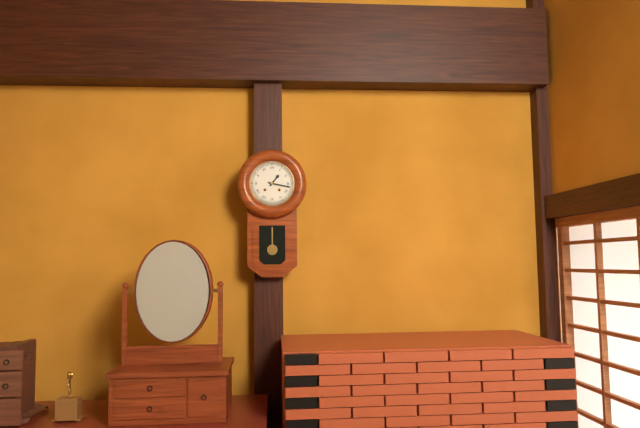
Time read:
**1:17**
